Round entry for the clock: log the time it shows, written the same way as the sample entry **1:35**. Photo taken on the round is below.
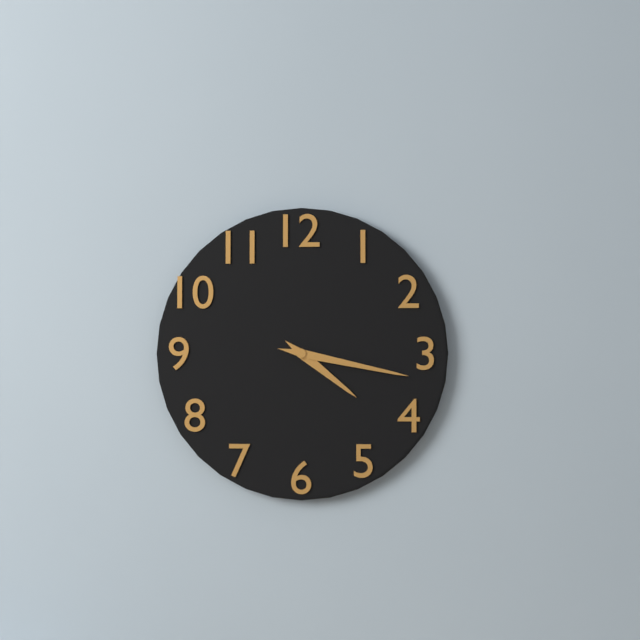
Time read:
**4:17**
